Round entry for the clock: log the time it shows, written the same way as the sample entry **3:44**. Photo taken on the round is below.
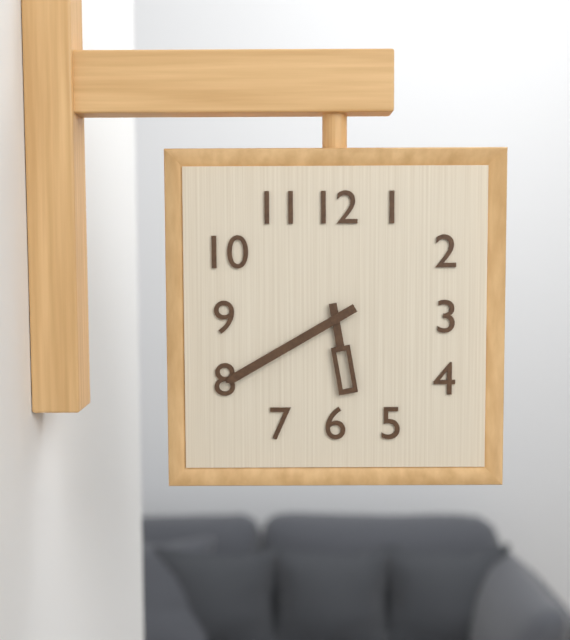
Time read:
**5:40**
